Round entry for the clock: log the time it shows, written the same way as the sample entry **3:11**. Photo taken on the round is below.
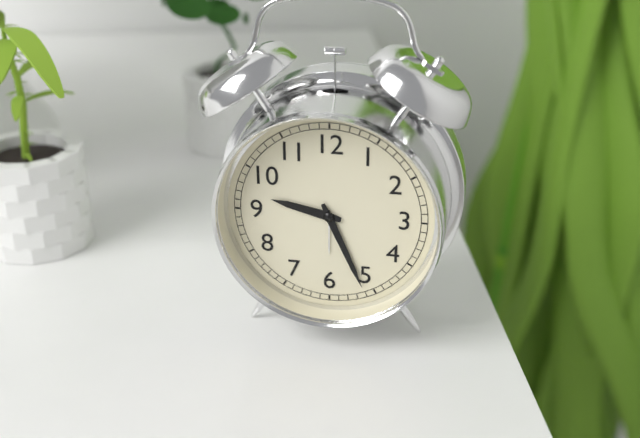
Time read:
**9:26**
